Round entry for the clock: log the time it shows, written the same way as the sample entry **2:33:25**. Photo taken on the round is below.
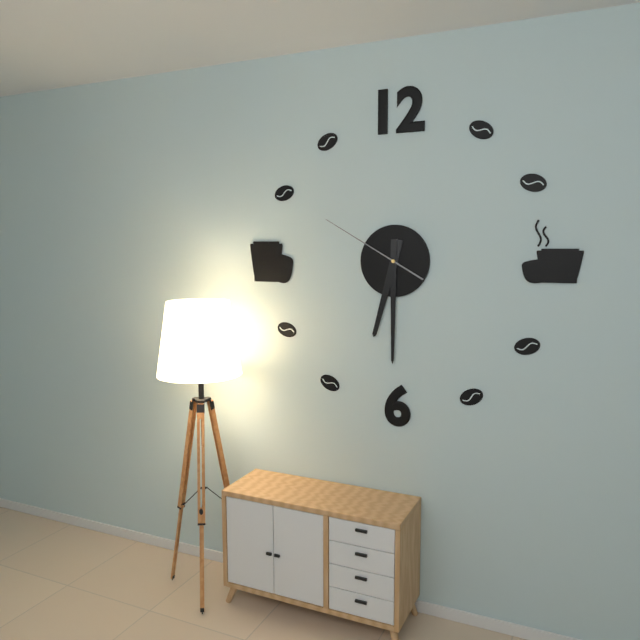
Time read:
**6:30:50**
